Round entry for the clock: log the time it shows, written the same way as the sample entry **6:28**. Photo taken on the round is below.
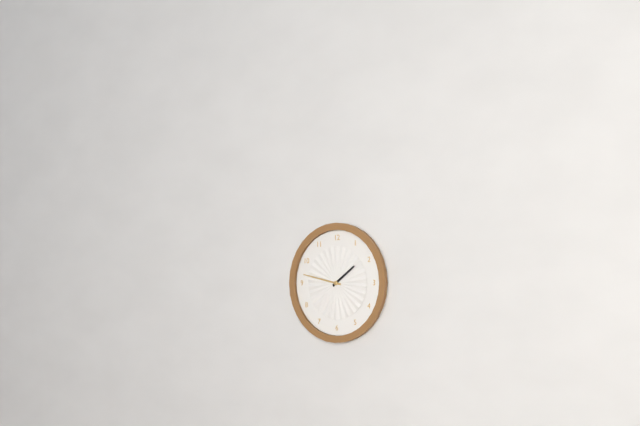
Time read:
**1:47**
